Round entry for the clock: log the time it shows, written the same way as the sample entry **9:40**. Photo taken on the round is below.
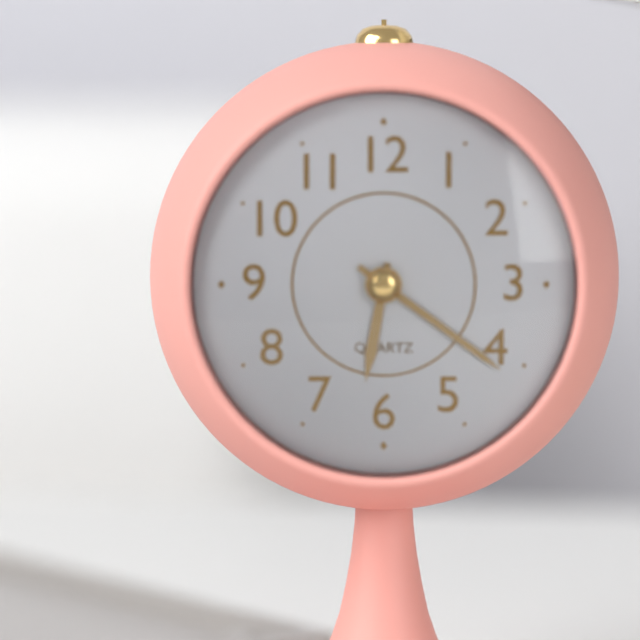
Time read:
**6:21**
